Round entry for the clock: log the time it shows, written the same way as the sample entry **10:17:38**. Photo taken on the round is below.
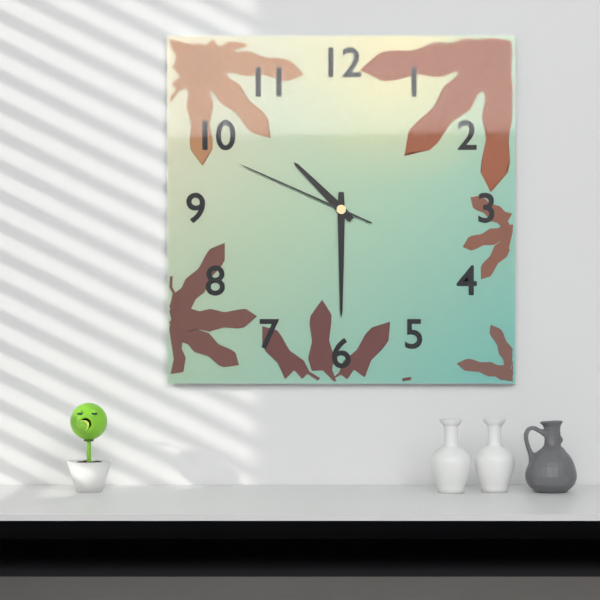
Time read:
**10:30:49**
